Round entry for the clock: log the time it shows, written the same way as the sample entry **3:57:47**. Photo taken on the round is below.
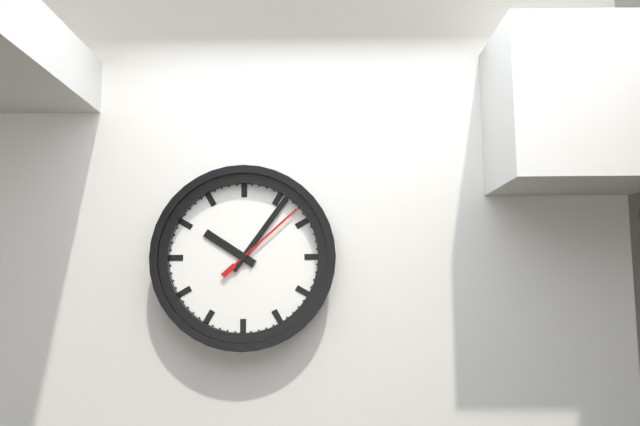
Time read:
**10:06:08**
